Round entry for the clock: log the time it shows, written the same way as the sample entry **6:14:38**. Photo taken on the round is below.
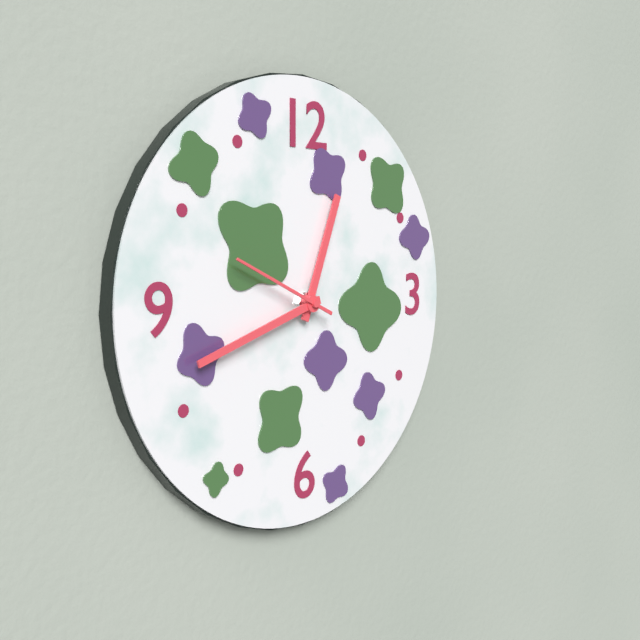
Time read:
**12:42:49**
